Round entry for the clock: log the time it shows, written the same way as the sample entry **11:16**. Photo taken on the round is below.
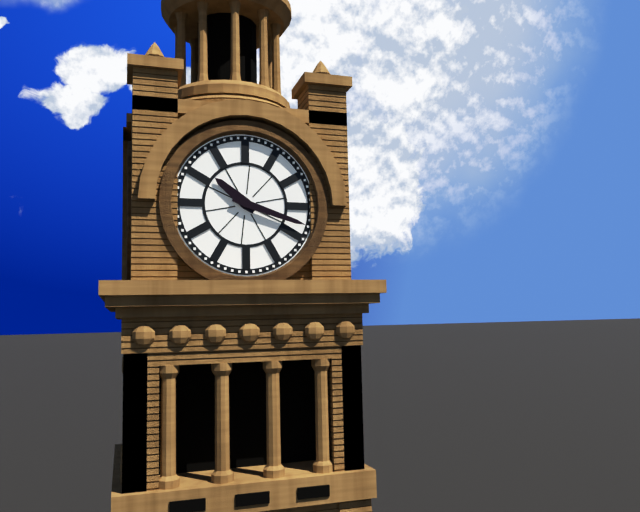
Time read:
**10:18**
